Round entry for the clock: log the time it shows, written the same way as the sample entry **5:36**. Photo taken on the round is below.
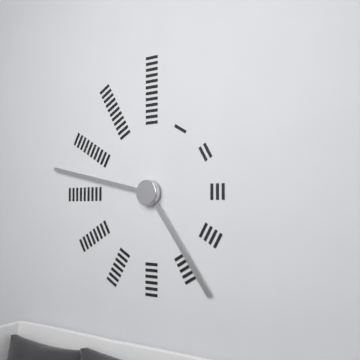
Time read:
**4:47**
